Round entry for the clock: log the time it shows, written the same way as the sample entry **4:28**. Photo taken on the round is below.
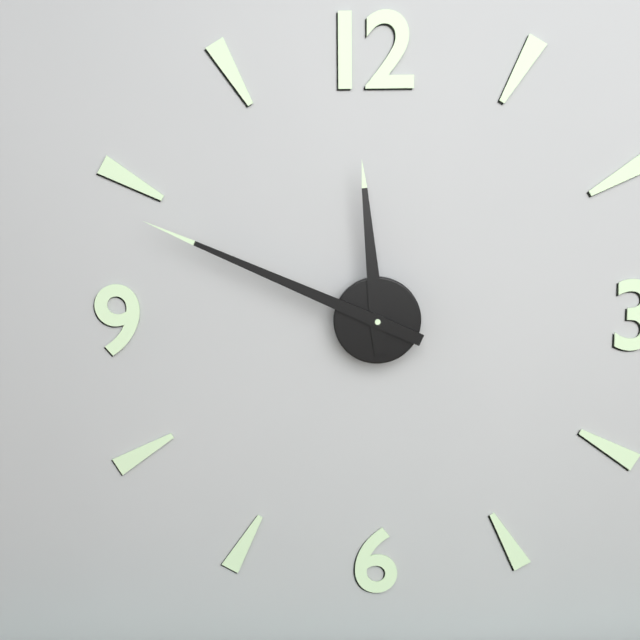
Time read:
**11:49**
